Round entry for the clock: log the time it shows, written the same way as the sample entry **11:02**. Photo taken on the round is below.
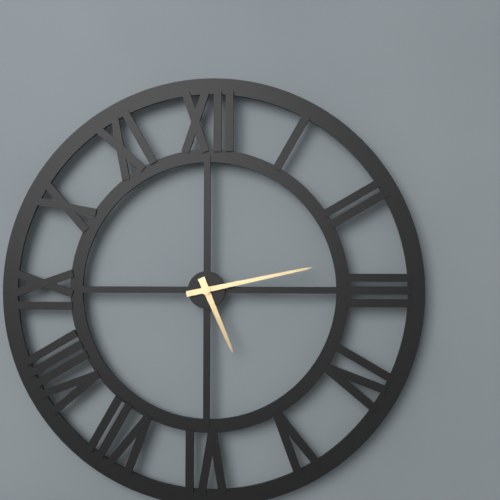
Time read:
**5:13**
